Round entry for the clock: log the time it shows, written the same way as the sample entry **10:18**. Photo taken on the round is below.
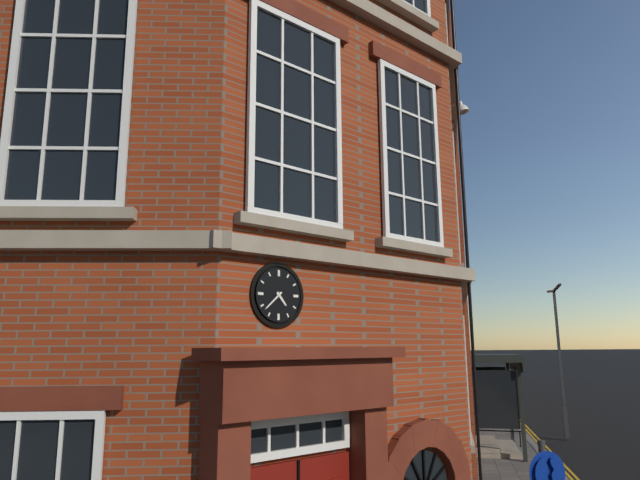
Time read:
**4:38**
